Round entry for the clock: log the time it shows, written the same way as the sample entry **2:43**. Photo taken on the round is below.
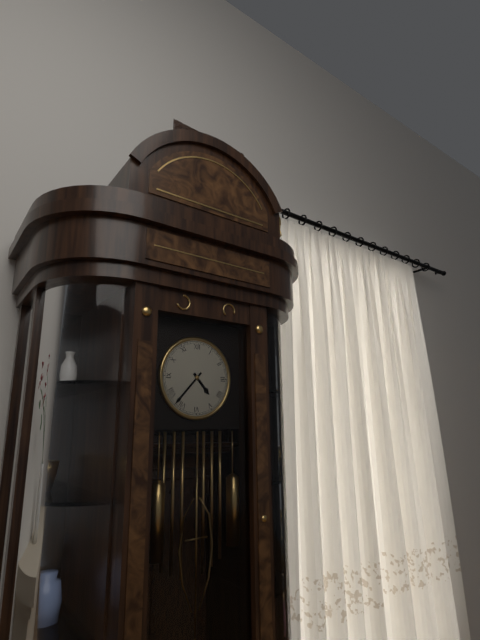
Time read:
**4:37**
